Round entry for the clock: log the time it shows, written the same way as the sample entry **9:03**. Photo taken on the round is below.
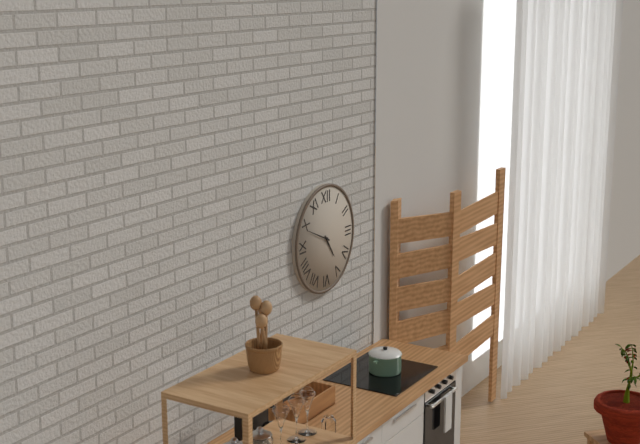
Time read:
**4:49**
